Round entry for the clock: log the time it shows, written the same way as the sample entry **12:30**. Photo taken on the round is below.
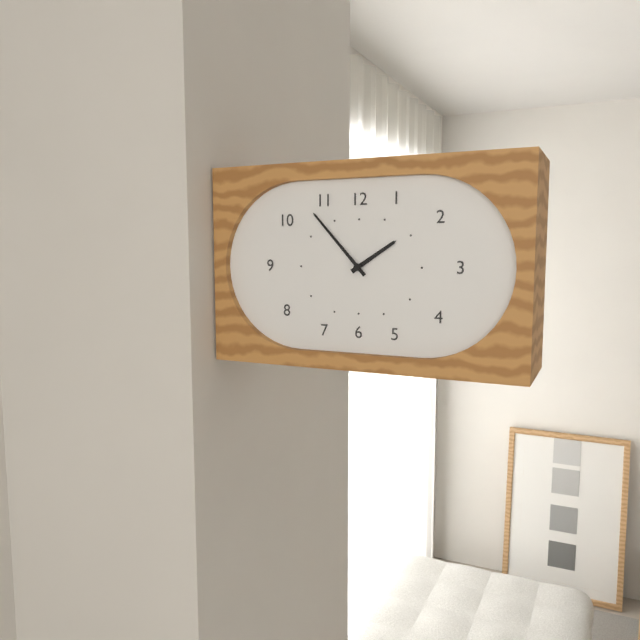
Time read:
**1:53**
